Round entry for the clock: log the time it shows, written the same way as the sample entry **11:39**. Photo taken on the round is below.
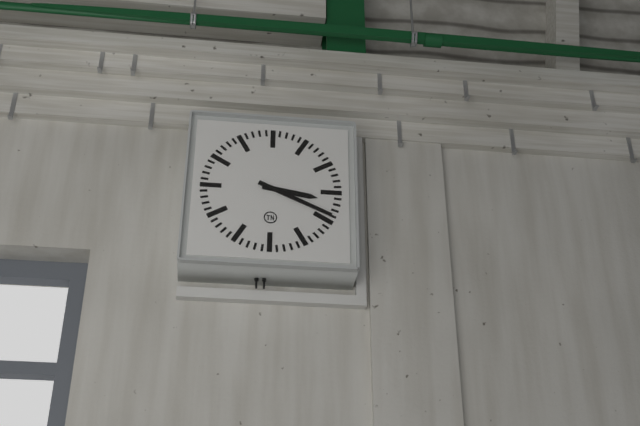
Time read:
**3:19**
